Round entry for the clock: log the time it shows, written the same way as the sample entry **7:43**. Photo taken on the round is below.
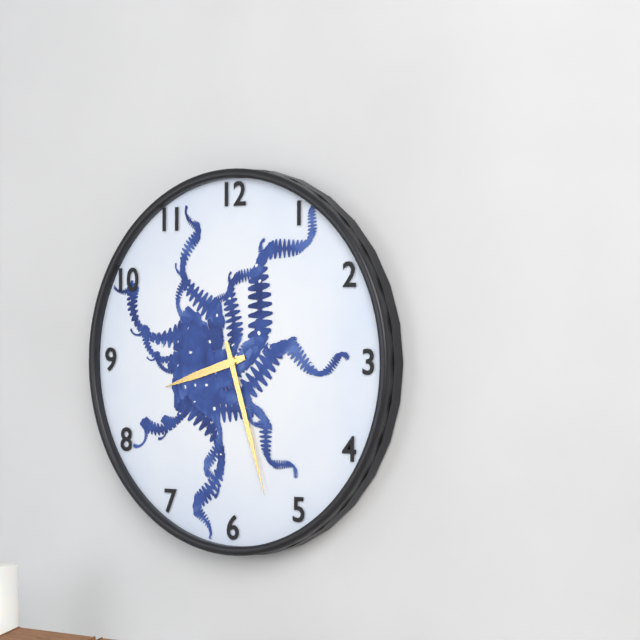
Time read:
**8:27**
